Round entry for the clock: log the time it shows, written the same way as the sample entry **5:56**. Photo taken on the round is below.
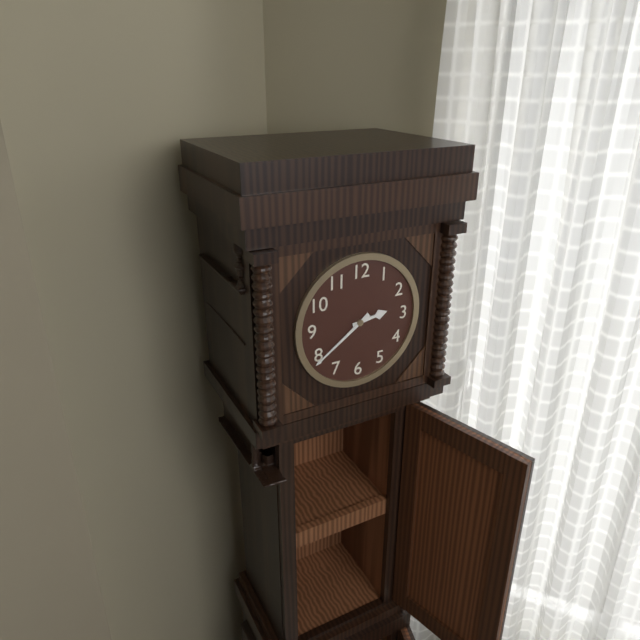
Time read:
**2:39**
